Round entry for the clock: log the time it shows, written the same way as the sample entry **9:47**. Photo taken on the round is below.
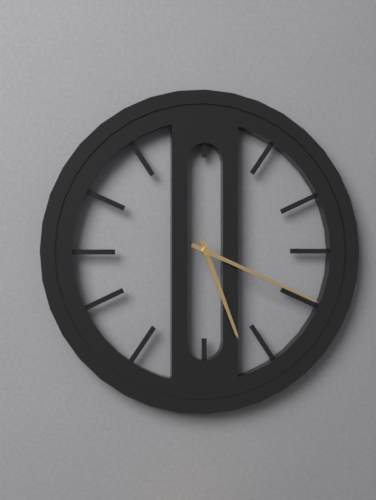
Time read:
**5:19**
